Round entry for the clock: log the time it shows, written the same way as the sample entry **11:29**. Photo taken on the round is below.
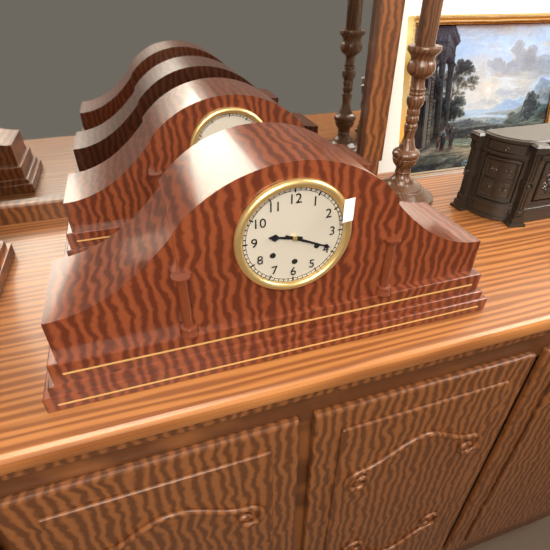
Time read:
**9:19**
